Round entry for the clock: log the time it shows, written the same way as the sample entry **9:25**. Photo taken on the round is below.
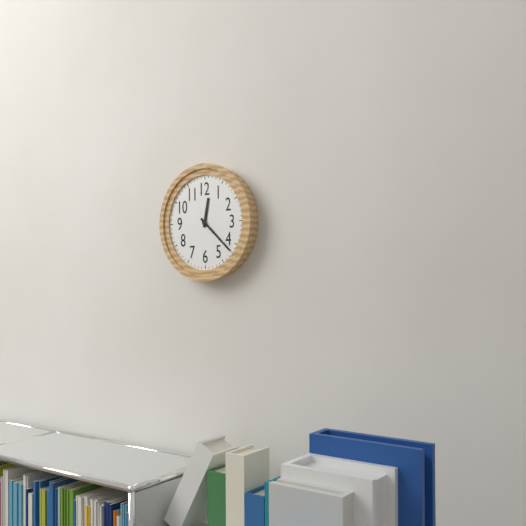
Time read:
**12:22**
